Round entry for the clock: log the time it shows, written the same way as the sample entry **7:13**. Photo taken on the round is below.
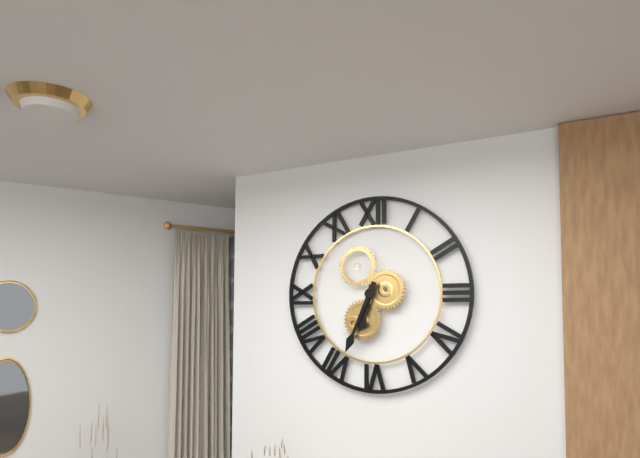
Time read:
**6:34**
